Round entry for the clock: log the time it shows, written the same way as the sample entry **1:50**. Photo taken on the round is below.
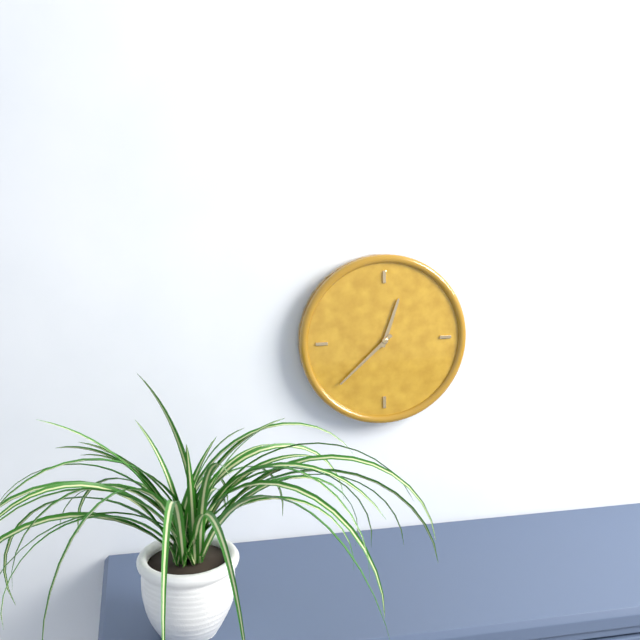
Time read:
**12:38**
